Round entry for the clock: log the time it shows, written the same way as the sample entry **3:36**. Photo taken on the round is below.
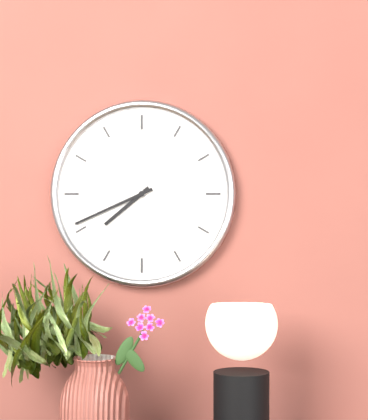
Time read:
**7:41**
